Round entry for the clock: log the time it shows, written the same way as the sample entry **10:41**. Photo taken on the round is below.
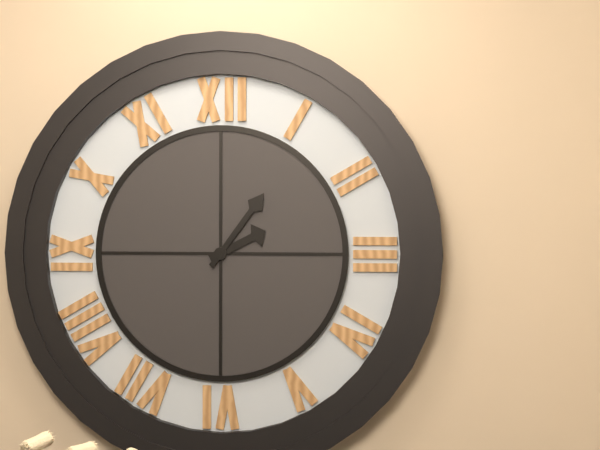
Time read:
**2:06**
